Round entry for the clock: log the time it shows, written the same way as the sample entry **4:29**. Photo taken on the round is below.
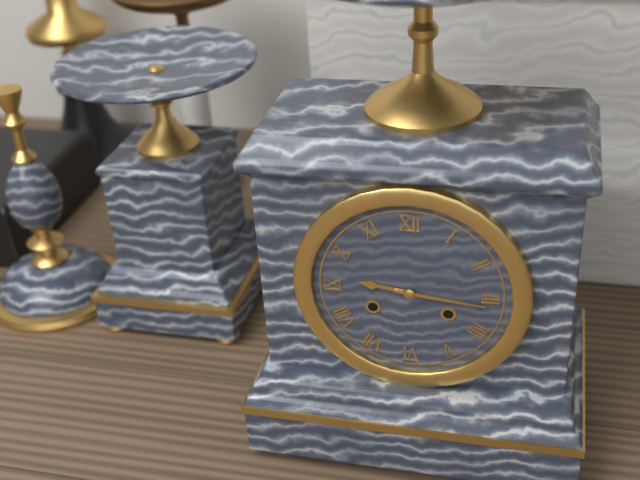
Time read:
**9:16**
